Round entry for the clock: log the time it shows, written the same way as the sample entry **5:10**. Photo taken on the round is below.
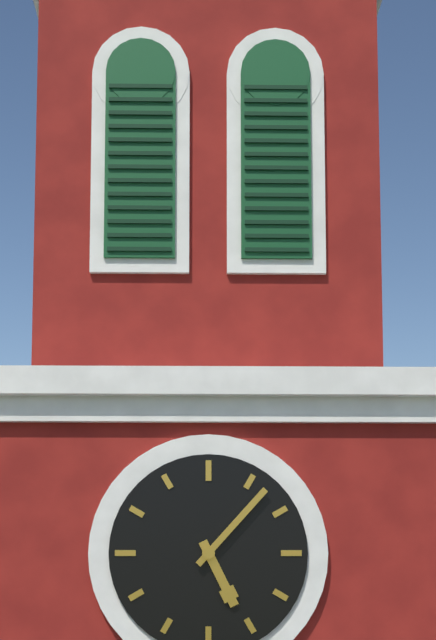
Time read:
**5:07**
